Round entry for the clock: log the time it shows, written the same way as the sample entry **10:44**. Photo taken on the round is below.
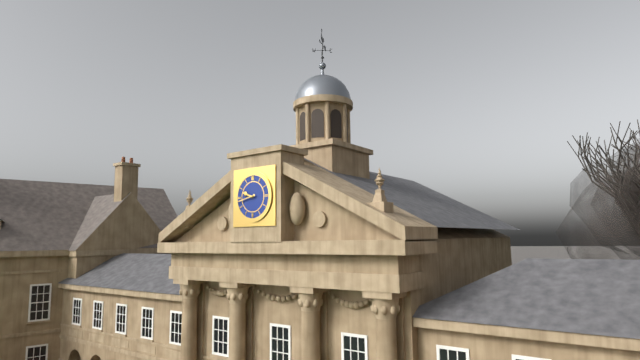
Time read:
**9:43**
